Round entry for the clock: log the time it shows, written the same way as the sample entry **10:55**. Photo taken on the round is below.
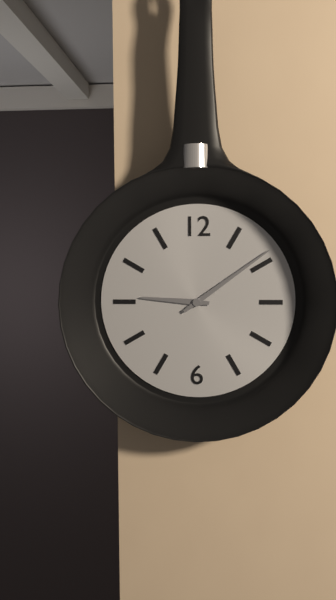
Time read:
**9:09**
